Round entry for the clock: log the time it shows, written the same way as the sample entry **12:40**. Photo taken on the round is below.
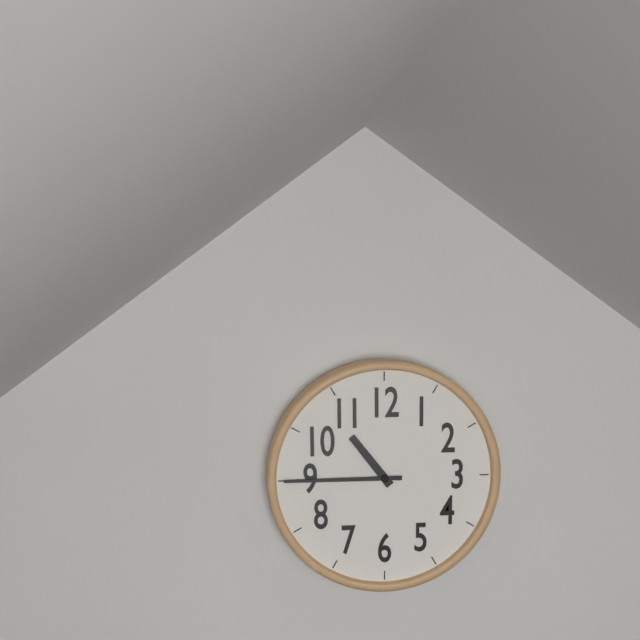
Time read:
**10:45**
